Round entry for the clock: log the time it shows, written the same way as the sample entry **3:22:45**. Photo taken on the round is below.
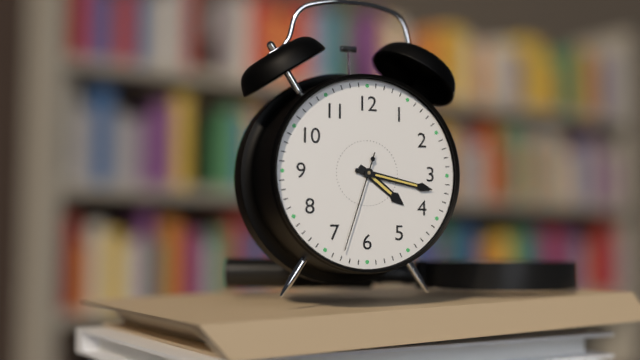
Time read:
**4:17:33**
